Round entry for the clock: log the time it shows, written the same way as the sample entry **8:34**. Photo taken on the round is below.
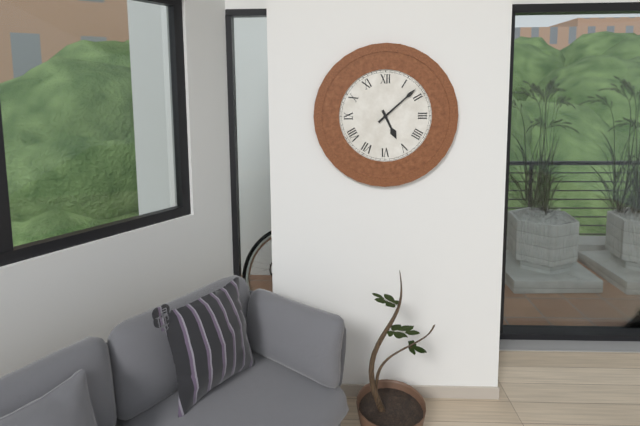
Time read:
**5:08**
